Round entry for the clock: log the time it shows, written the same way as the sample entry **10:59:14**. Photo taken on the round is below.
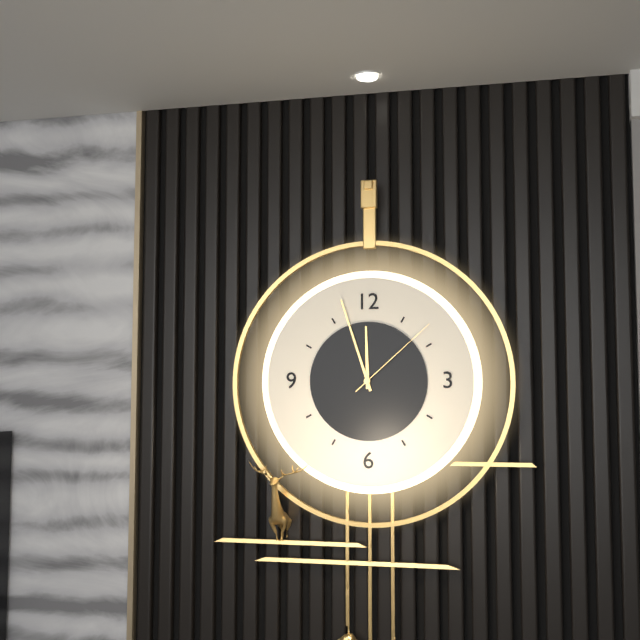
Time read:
**11:57:08**
